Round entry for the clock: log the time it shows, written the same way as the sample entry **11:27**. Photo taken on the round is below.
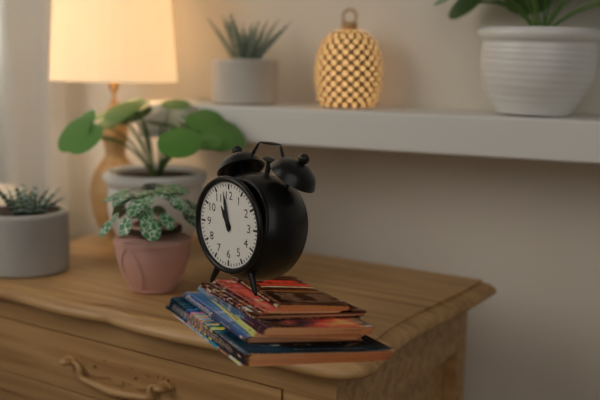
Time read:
**10:58**
